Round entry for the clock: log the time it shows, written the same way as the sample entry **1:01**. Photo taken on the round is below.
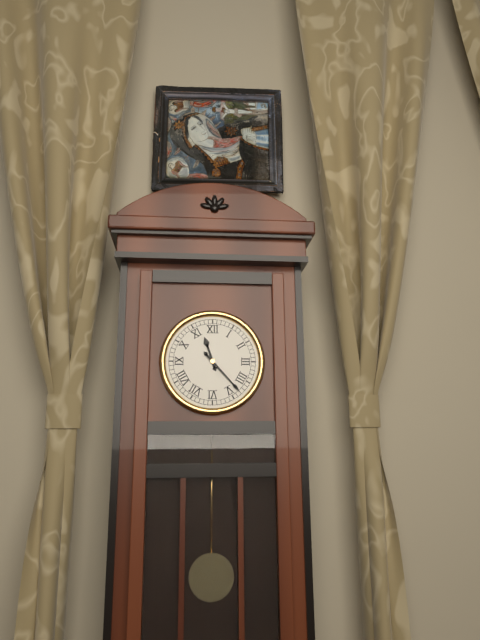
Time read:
**11:23**
